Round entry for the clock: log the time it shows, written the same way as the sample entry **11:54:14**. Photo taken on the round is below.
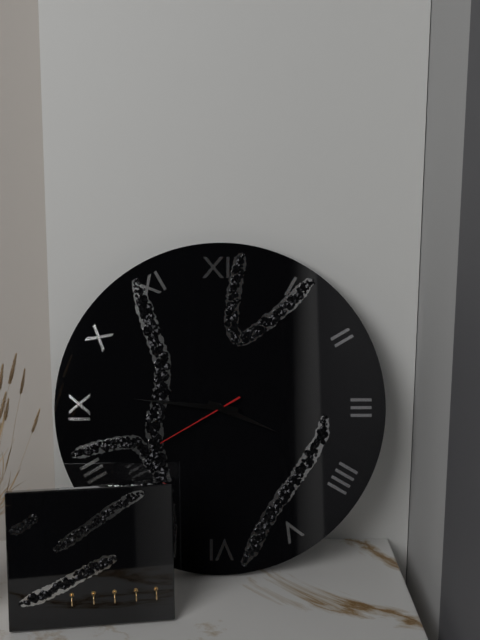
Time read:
**3:46:40**
